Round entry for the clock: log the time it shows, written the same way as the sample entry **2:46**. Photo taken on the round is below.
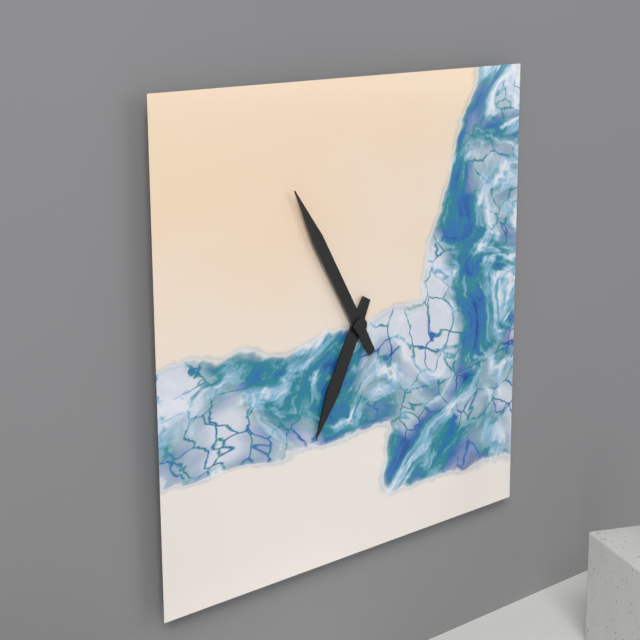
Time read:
**6:55**
